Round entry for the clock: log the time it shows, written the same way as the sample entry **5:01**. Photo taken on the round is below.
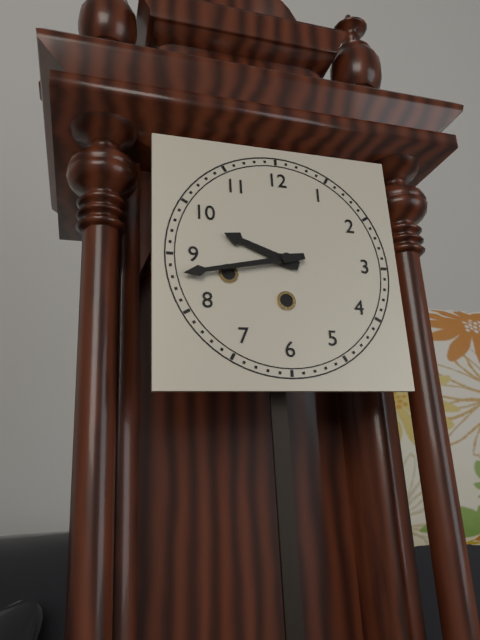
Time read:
**9:43**
